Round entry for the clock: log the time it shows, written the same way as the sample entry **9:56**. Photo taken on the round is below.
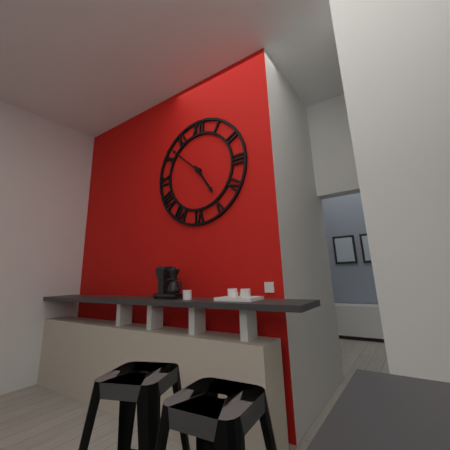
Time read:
**4:52**
